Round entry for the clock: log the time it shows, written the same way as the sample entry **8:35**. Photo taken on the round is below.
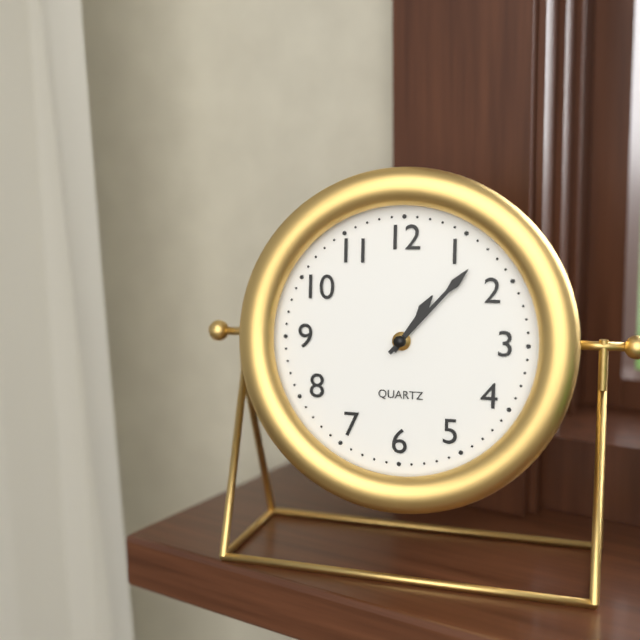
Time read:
**1:07**
